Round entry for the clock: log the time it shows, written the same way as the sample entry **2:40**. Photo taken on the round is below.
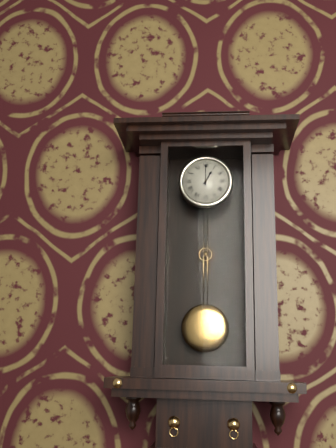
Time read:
**1:00**
